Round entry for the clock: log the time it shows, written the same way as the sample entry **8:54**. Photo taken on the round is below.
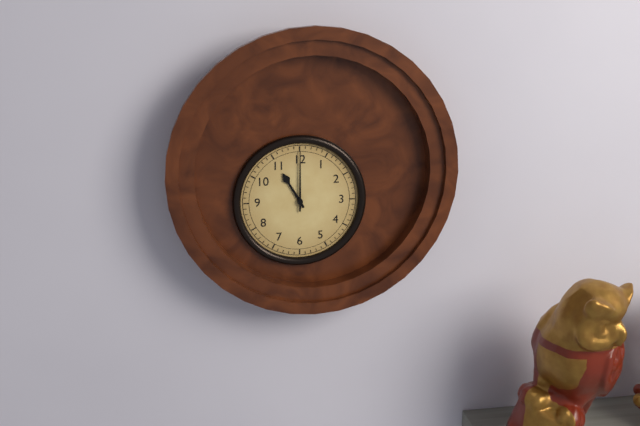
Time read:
**11:00**
